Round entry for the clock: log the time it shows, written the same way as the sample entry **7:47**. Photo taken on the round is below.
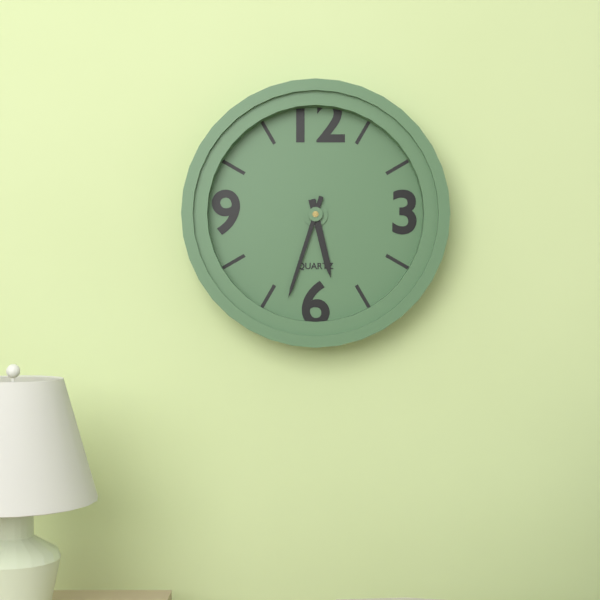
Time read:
**5:33**
